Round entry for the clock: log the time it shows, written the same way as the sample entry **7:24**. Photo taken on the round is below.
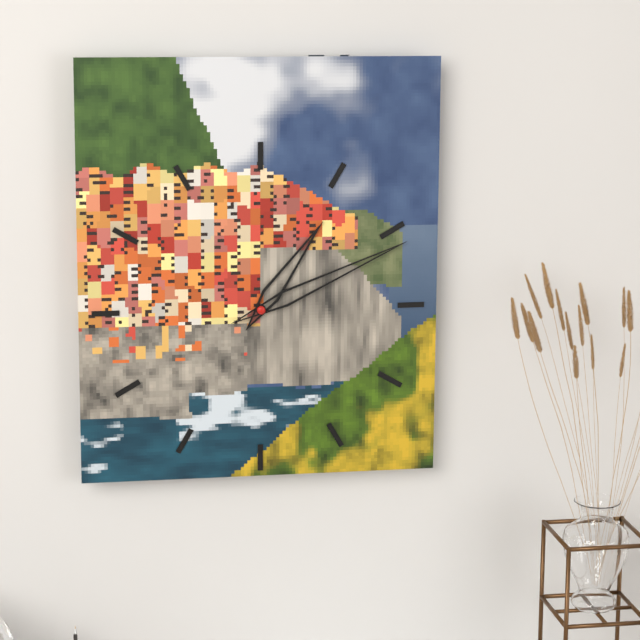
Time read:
**1:11**
